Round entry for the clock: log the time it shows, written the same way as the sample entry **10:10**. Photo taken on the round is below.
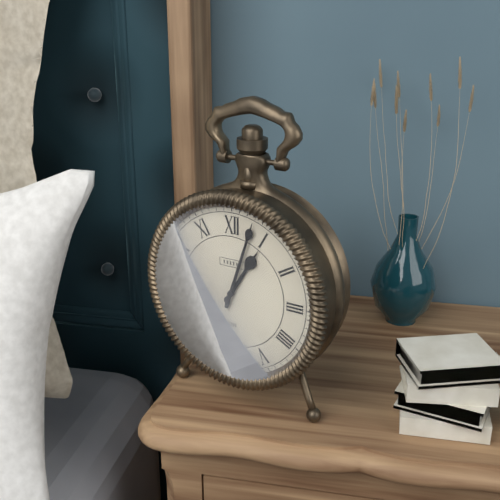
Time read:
**1:03**
